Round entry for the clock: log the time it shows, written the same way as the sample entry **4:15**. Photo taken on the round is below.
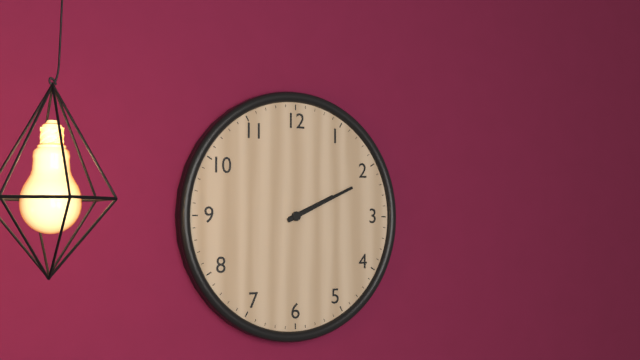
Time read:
**2:11**
